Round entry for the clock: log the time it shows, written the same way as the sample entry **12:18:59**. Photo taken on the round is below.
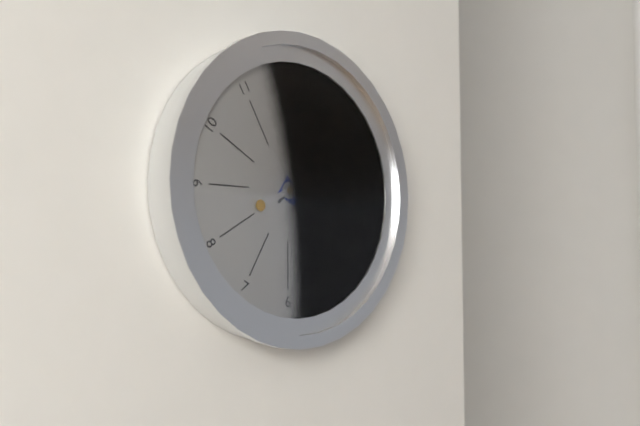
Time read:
**4:08:11**
